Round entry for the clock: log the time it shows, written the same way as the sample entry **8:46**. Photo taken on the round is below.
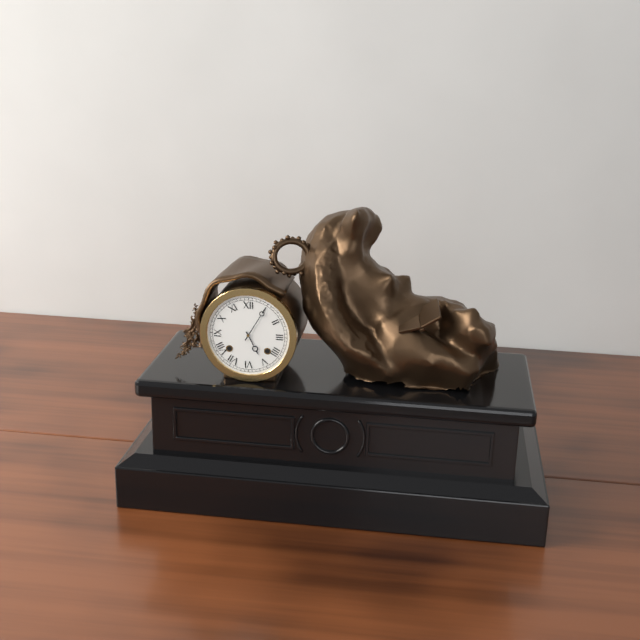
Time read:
**5:05**
